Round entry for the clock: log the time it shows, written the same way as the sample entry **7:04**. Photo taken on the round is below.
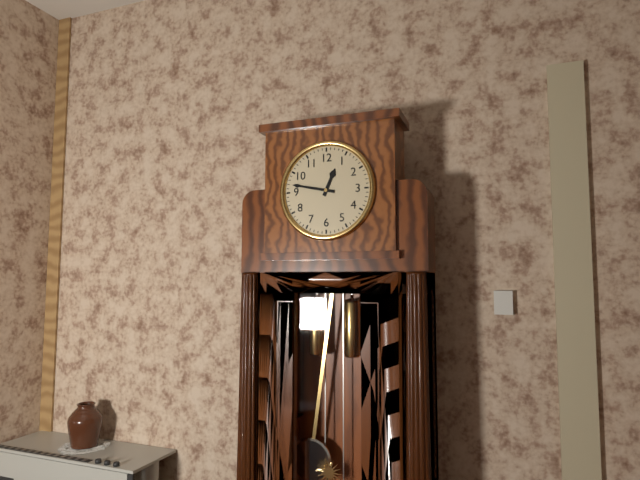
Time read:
**12:47**
